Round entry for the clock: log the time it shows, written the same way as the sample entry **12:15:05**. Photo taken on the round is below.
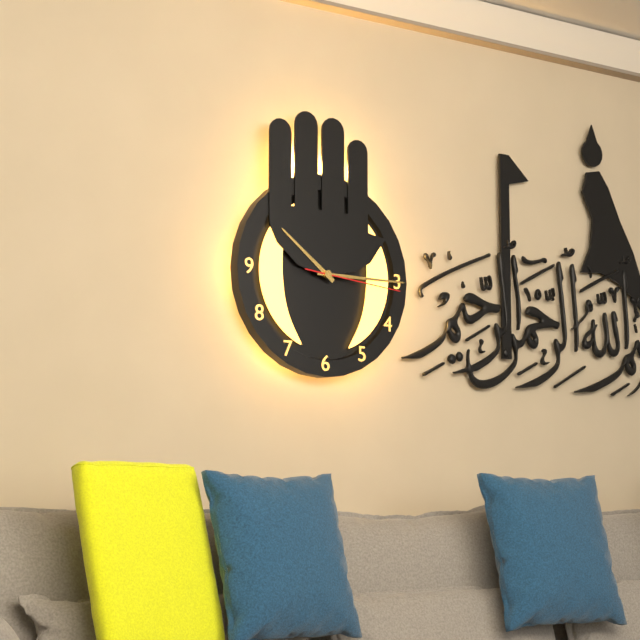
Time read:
**10:15:16**
